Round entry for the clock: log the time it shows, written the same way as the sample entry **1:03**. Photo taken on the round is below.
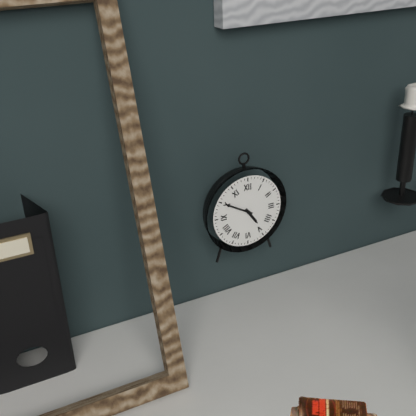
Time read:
**4:50**
